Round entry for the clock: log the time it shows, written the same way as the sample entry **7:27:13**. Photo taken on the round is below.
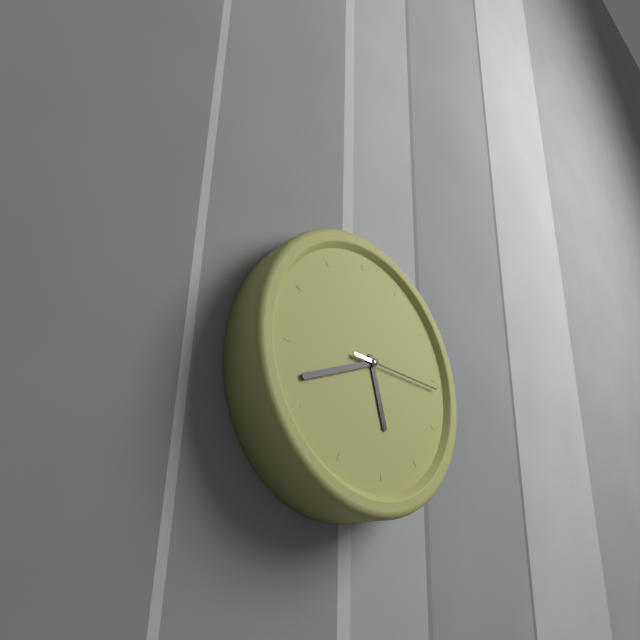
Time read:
**5:42:16**
